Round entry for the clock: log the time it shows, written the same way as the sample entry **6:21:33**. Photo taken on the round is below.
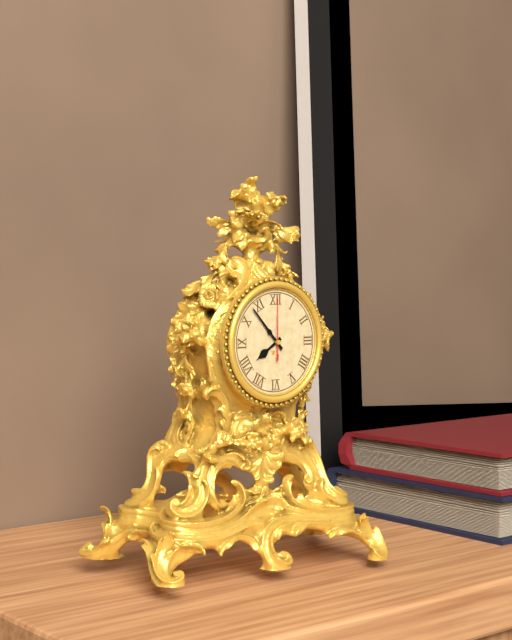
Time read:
**7:53:00**
